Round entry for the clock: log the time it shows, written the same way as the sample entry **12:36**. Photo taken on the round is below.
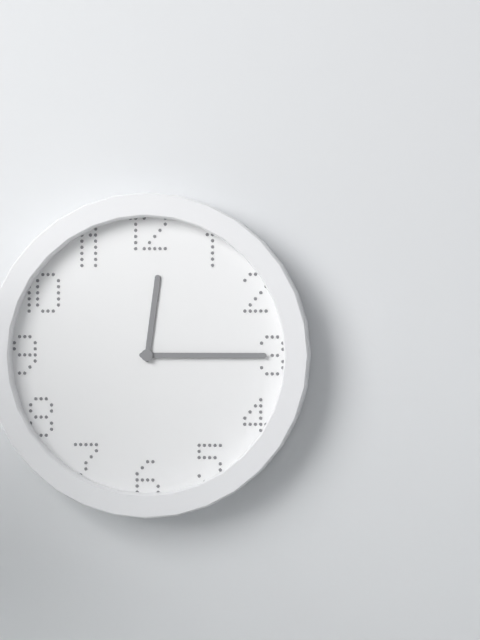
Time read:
**12:15**
